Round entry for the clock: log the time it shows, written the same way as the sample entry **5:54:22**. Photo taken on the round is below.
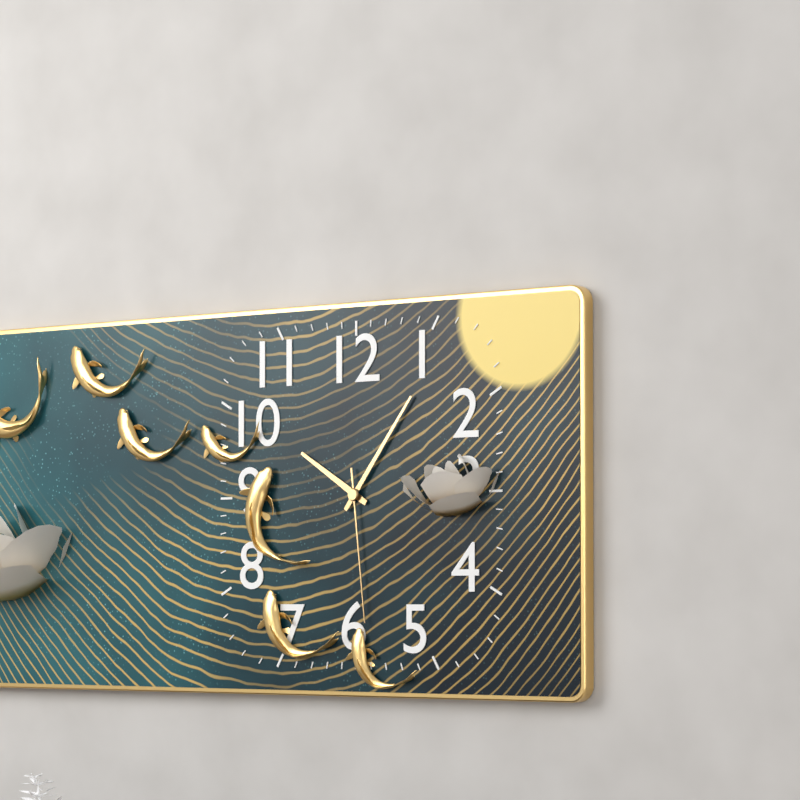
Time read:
**10:06:29**
